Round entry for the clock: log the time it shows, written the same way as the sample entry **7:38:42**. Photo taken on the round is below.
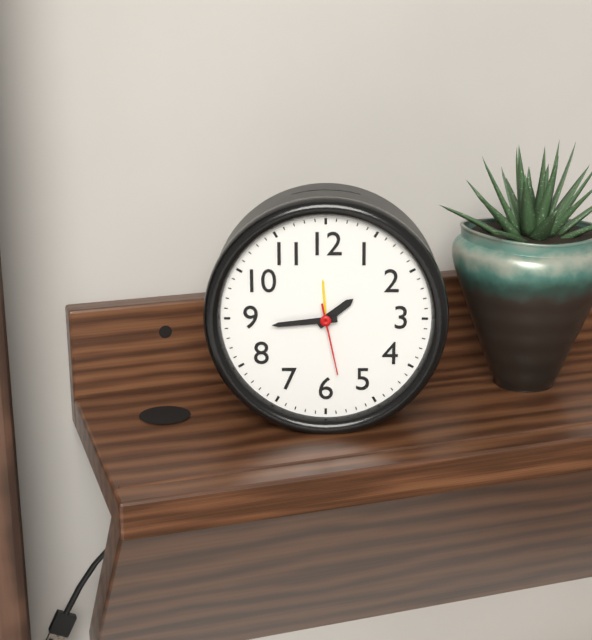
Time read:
**1:44:28**
